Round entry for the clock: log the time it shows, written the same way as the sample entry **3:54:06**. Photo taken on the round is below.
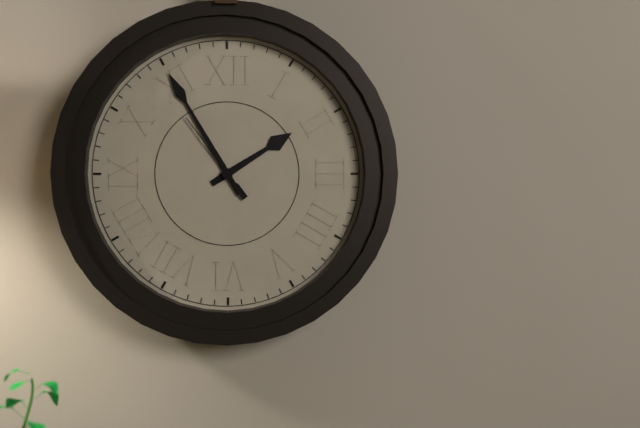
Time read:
**1:55:54**
